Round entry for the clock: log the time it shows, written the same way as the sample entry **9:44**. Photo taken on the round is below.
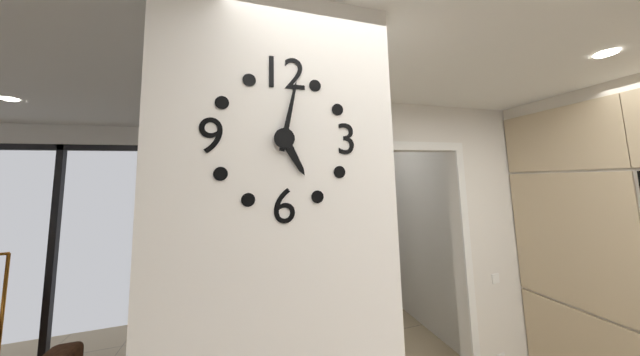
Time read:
**5:02**
